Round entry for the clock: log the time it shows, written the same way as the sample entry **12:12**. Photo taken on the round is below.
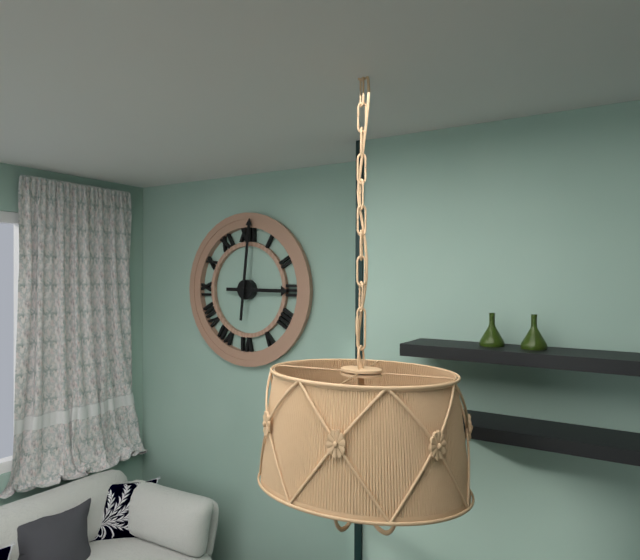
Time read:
**3:01**
